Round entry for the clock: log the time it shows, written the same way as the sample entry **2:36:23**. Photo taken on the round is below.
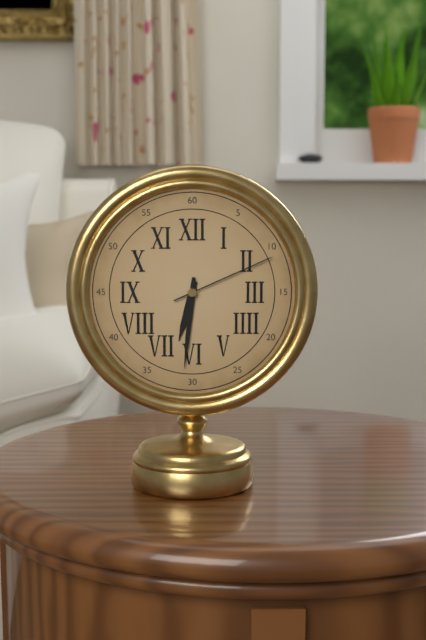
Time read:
**6:31:11**
